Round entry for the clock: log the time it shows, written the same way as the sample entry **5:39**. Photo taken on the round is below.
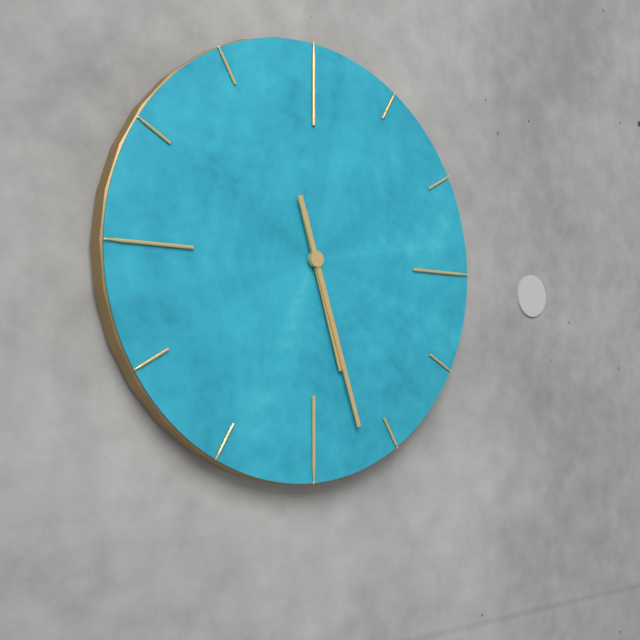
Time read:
**5:27**
